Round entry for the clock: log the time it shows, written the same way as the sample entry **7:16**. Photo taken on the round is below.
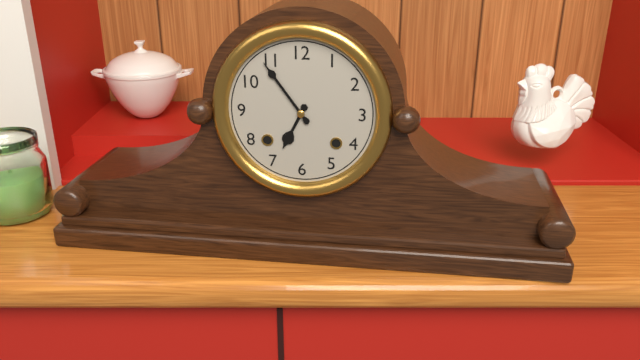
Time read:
**6:54**
